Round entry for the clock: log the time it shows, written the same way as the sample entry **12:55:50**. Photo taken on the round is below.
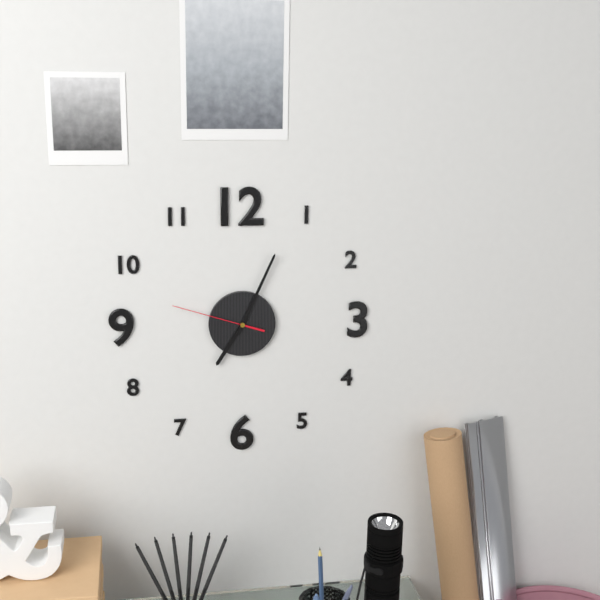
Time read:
**7:04:48**
